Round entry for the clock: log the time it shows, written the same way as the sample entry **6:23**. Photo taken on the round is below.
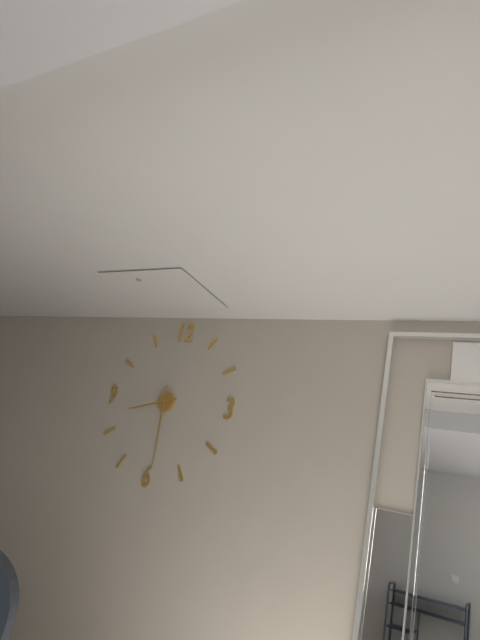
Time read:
**8:29**
